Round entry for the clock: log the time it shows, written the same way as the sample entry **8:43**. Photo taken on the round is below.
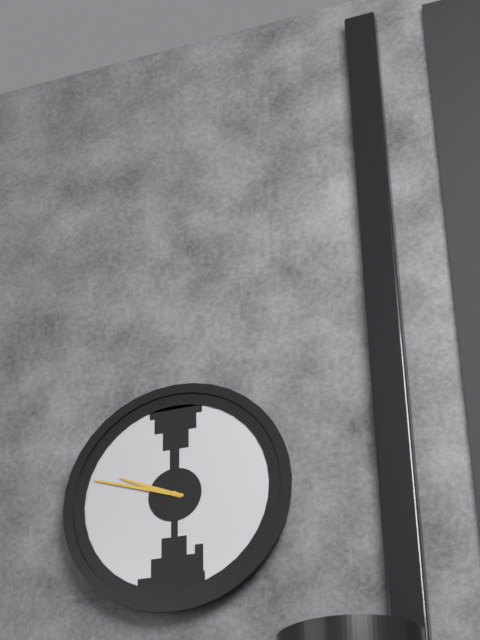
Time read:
**9:48**
